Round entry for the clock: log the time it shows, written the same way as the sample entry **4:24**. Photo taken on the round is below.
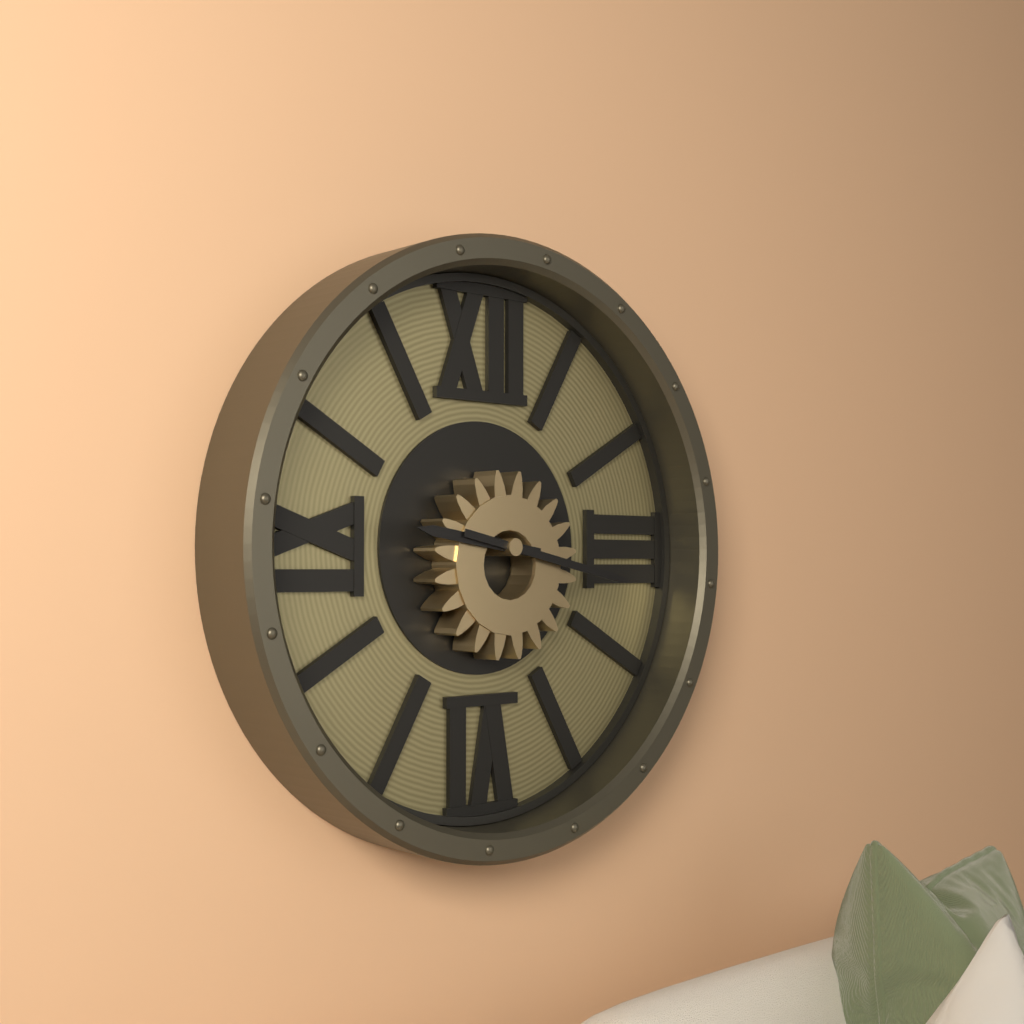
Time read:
**9:17**
